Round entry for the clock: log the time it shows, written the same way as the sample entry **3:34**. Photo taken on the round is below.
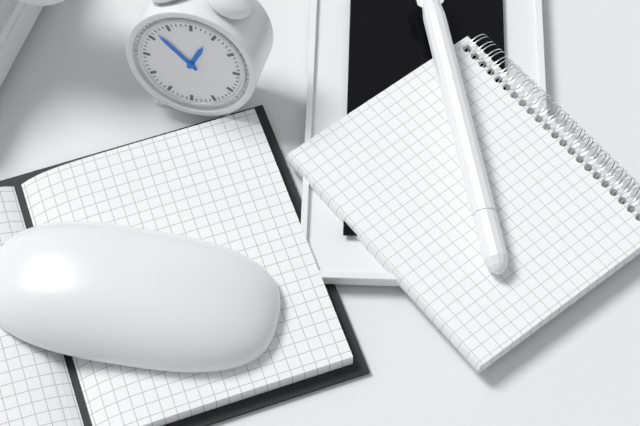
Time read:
**12:52**
